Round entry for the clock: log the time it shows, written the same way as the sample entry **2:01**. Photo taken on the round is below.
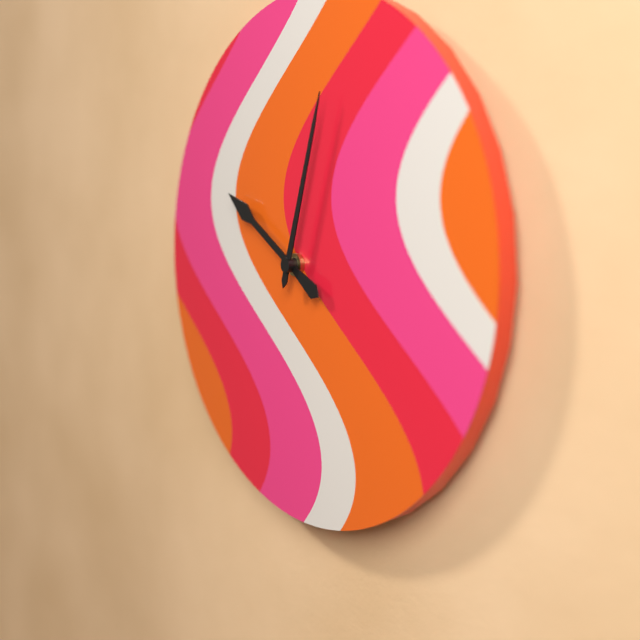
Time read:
**10:03**
